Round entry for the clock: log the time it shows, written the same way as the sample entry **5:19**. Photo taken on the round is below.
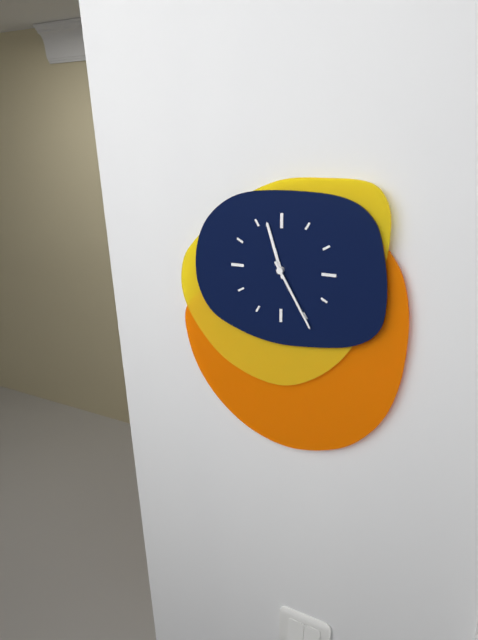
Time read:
**11:25**
